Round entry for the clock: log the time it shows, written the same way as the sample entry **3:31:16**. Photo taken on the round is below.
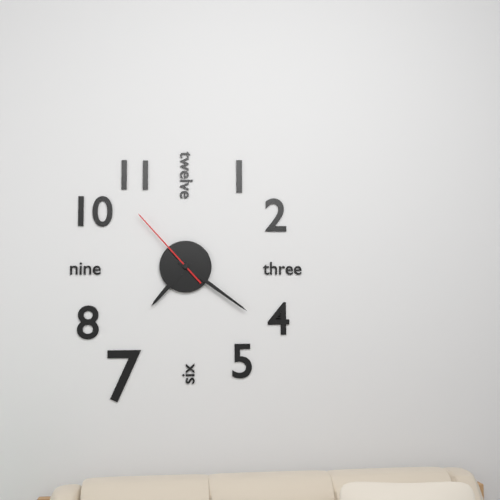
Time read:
**7:21:53**
